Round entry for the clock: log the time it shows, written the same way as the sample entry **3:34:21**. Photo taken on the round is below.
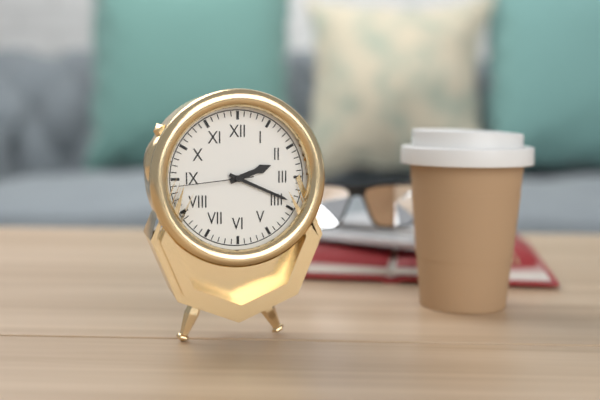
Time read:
**2:19:44**
